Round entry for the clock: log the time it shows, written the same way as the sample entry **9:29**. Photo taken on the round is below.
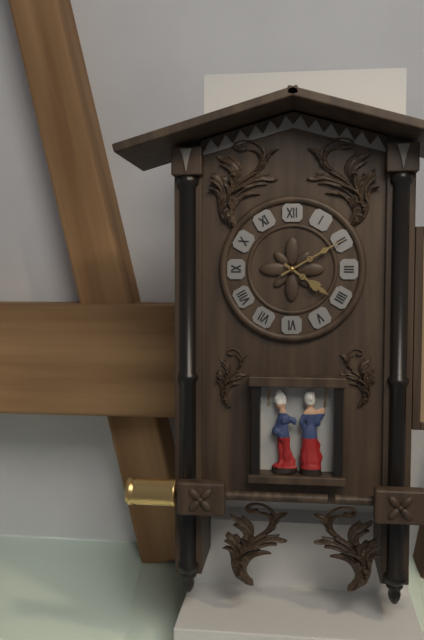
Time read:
**4:10**
